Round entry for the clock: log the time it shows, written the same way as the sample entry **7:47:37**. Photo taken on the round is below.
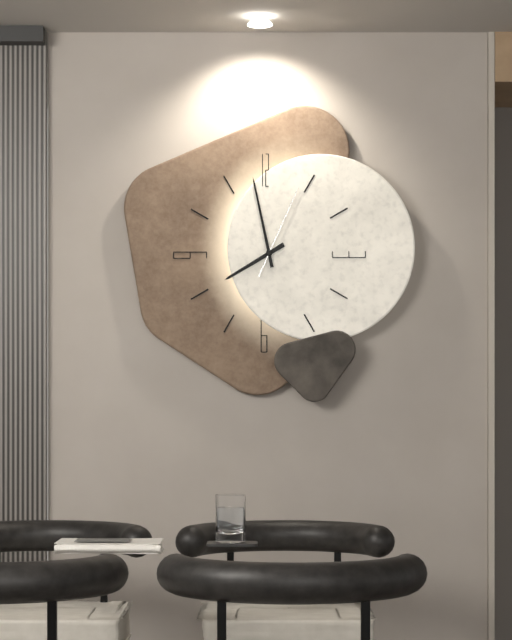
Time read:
**7:58:04**
